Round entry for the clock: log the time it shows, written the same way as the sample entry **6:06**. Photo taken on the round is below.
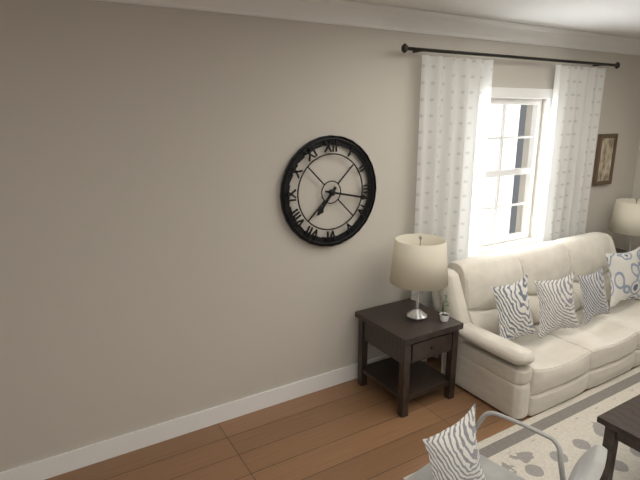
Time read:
**7:17**
